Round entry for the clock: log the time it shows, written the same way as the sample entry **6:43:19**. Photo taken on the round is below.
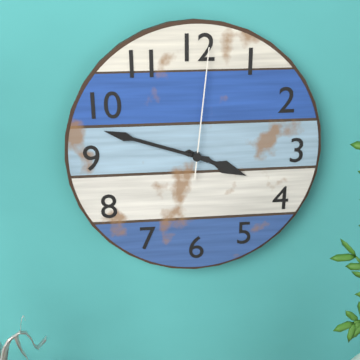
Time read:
**3:48:01**
